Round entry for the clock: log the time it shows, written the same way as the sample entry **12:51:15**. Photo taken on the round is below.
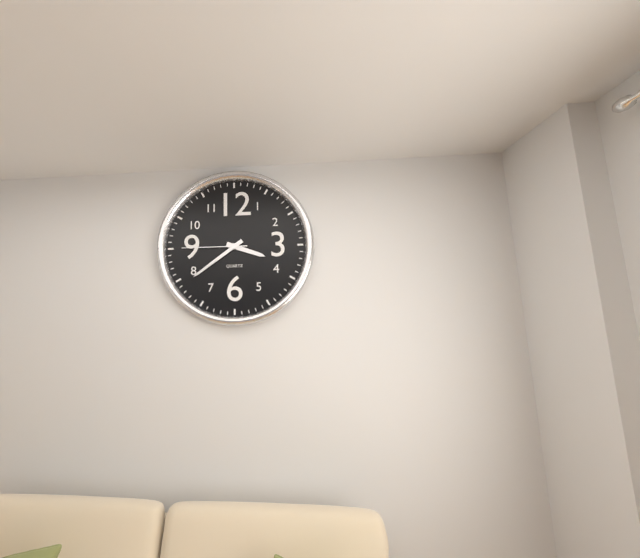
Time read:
**3:39:45**
